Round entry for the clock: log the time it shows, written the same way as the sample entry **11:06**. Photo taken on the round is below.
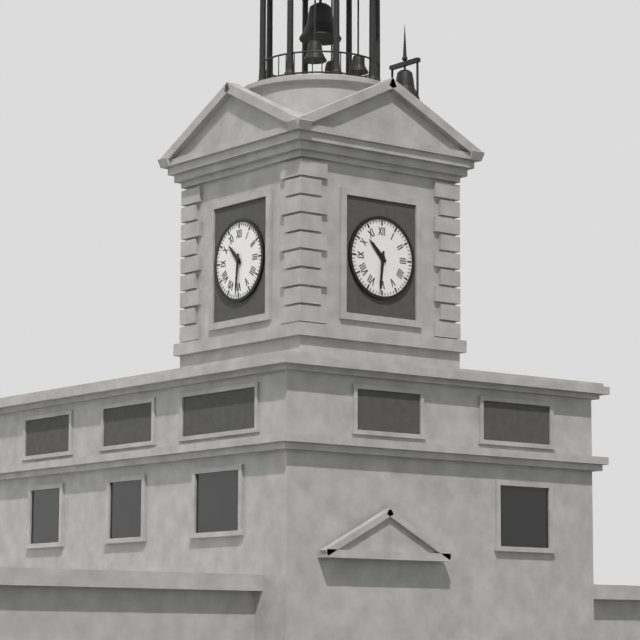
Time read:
**10:31**
